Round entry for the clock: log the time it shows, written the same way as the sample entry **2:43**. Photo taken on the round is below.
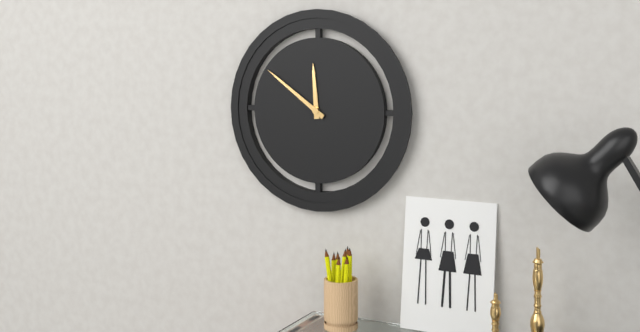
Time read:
**11:51**
